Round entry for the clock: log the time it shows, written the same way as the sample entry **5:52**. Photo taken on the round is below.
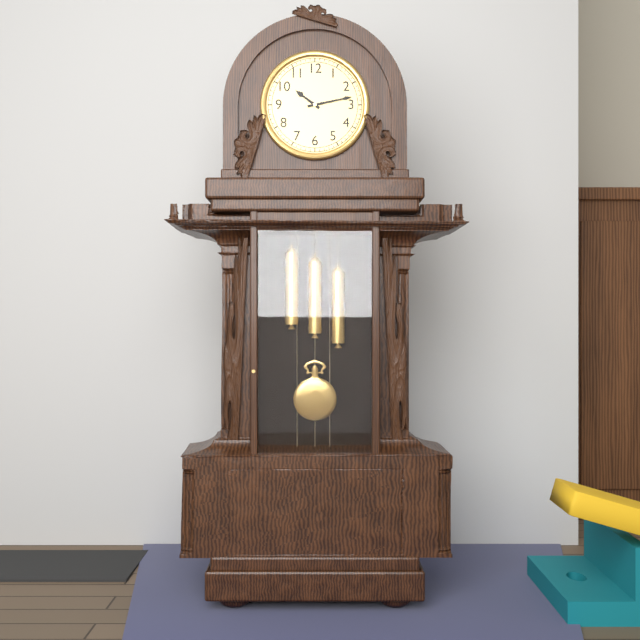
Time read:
**10:13**
